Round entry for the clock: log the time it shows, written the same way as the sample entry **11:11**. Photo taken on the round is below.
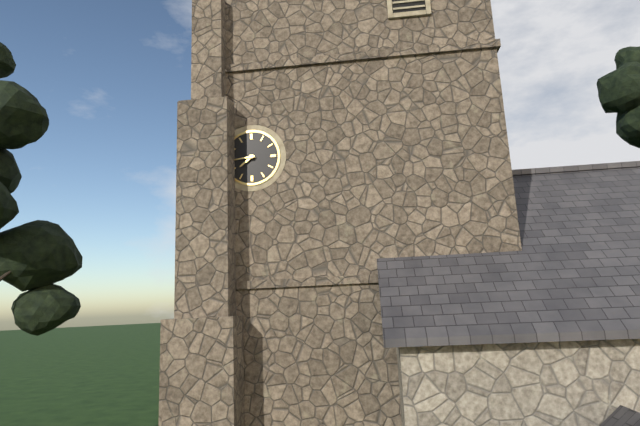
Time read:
**7:44**
